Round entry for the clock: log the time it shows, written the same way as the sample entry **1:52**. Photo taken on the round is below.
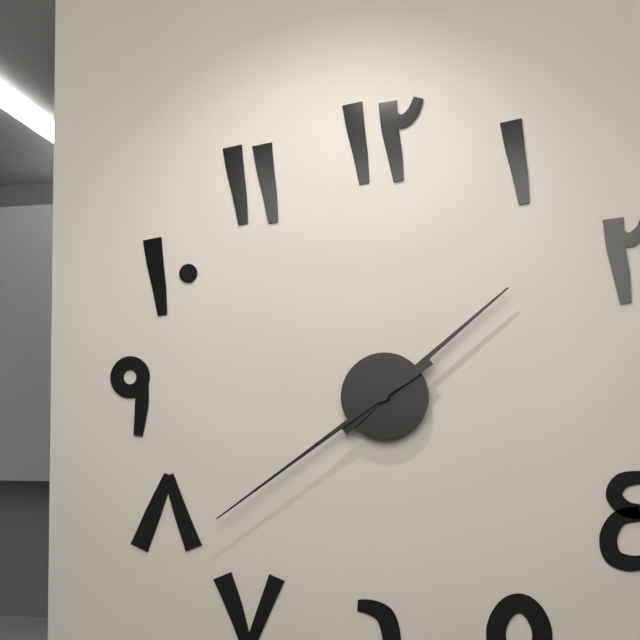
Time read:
**1:39**
